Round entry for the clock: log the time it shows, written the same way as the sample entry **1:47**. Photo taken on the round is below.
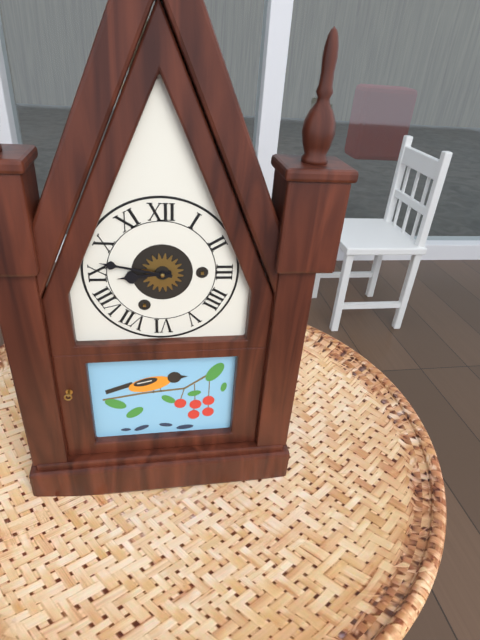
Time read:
**8:47**
